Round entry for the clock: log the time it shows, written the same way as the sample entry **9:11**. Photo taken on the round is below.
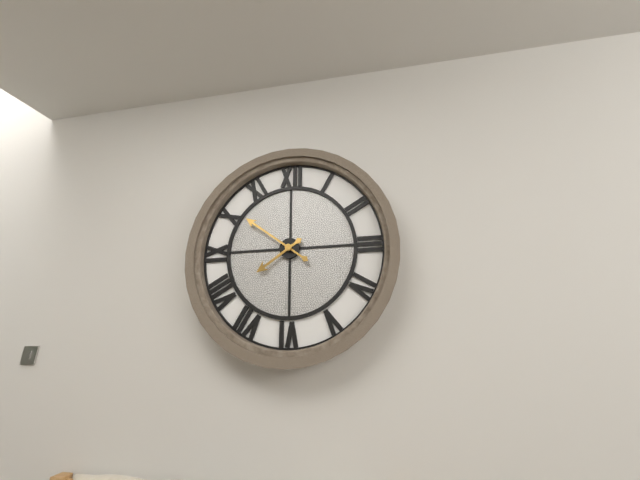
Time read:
**7:51**
